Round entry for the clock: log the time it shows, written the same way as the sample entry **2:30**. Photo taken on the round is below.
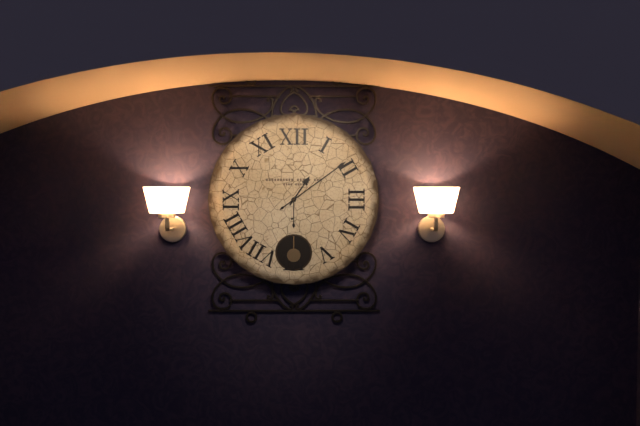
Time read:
**1:09**
